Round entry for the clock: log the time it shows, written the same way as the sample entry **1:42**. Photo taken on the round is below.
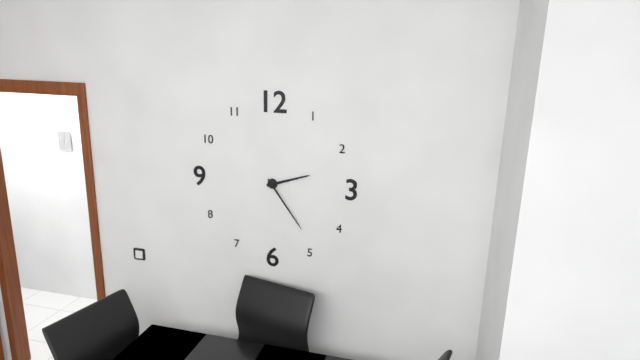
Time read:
**2:24**
